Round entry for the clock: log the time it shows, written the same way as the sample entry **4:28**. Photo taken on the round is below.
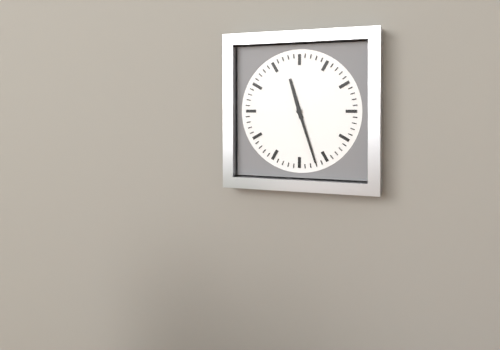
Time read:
**11:27**
